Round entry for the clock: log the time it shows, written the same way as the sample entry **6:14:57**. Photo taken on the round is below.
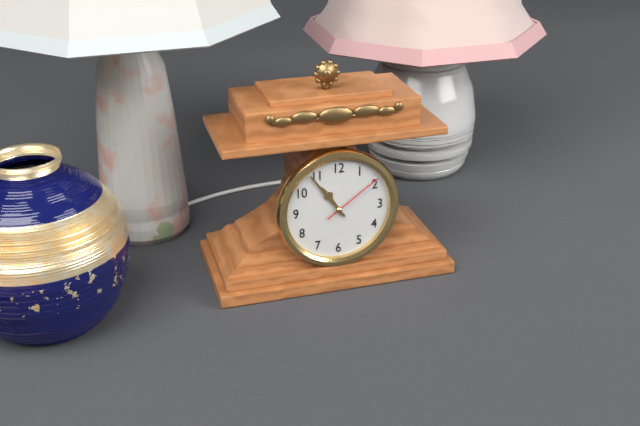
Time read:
**10:54:09**
